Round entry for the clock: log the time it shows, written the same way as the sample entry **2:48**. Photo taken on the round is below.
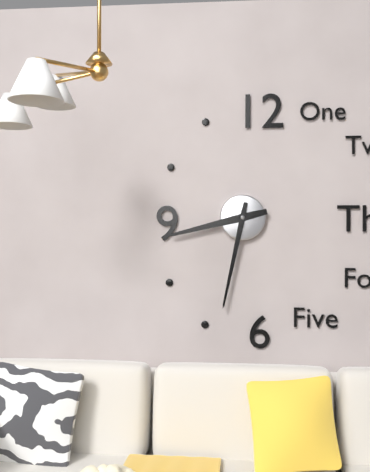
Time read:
**8:32**
